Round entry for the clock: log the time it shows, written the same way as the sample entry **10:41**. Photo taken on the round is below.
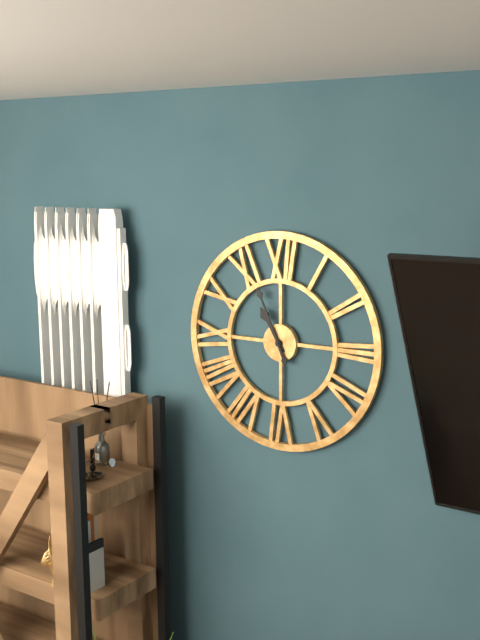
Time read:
**10:56**
